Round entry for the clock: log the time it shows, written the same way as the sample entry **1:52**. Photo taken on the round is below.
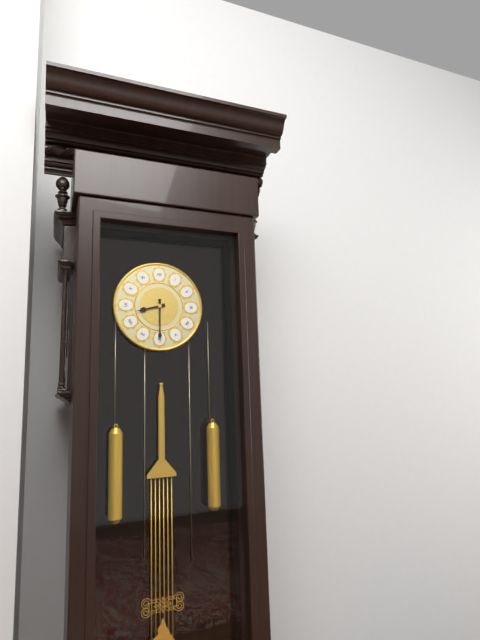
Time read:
**8:30**
